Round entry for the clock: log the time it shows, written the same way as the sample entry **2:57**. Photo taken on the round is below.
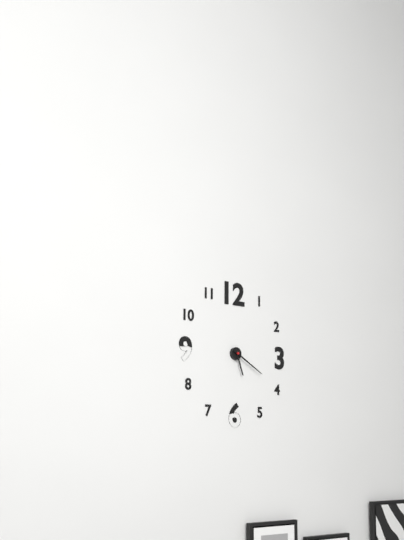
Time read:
**5:20**
